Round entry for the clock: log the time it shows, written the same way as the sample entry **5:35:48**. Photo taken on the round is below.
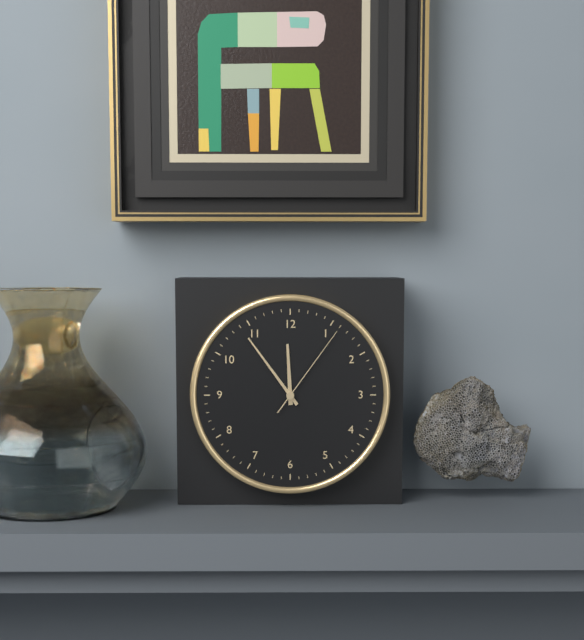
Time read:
**11:54:06**
